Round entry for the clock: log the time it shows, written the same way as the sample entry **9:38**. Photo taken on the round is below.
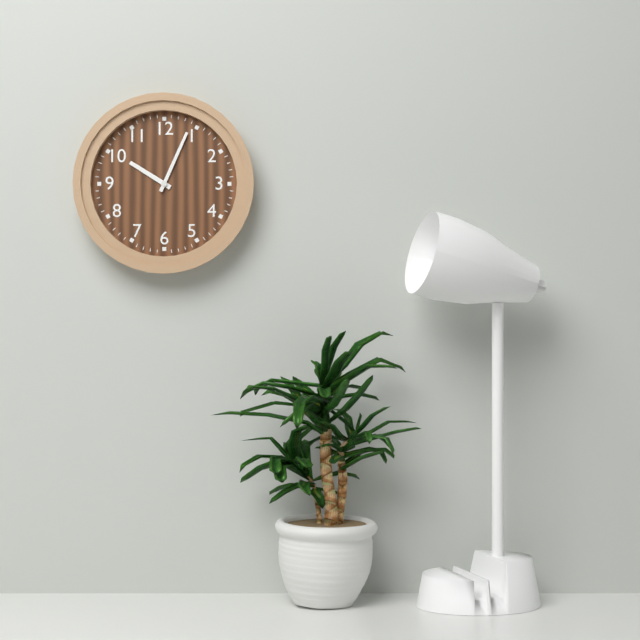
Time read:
**10:04**
